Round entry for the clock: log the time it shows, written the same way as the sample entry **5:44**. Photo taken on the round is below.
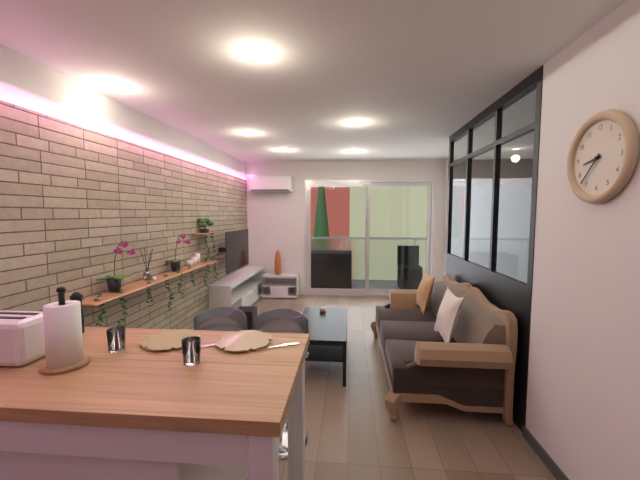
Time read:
**8:37**
